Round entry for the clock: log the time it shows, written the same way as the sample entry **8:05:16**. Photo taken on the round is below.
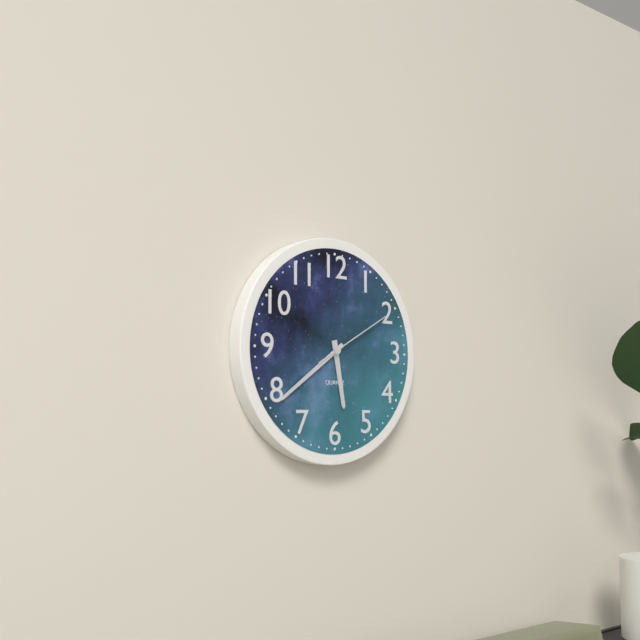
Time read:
**5:39:10**
